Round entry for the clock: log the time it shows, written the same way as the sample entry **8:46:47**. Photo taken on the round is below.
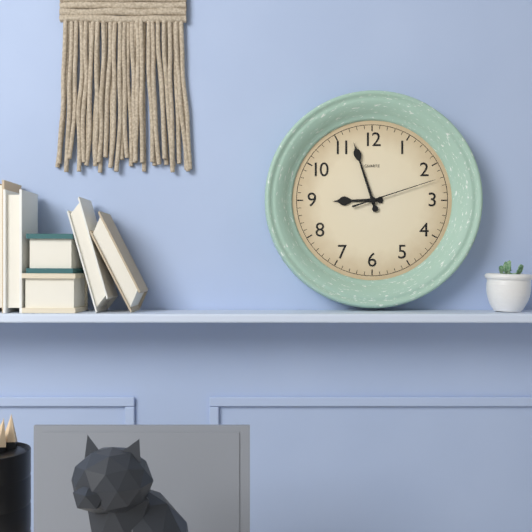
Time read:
**8:57:12**
